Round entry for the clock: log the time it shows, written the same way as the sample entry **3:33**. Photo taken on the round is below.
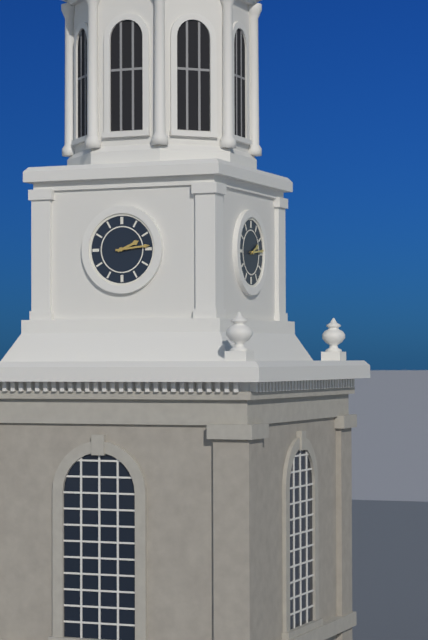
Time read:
**2:14**
